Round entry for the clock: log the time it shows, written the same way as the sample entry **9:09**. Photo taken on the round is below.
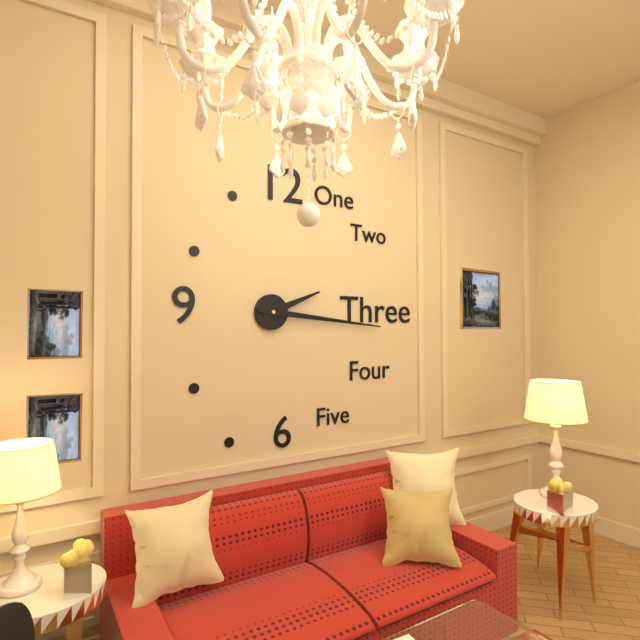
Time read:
**2:16**
